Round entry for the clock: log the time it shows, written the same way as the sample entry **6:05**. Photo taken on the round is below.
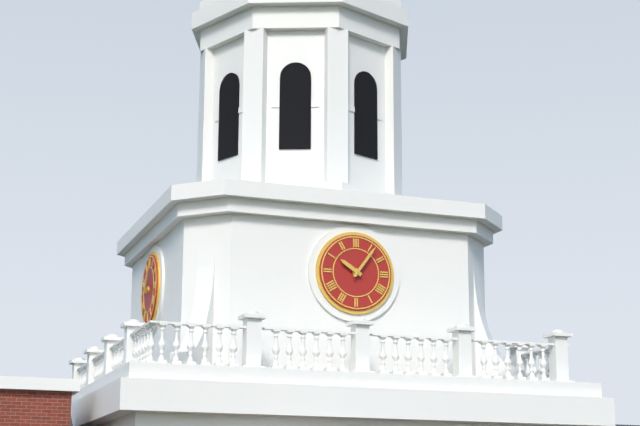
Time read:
**10:06**
